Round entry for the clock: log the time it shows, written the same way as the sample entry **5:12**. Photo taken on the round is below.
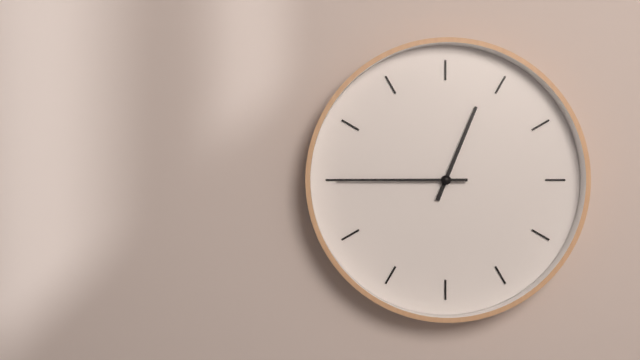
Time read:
**12:45**
